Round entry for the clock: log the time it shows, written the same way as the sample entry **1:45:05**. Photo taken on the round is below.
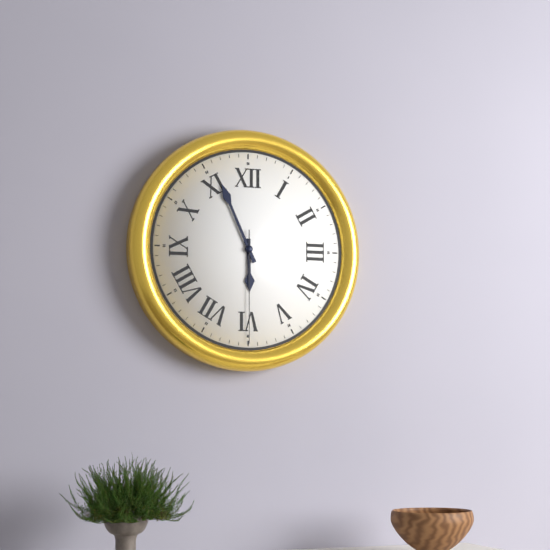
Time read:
**5:56:30**
